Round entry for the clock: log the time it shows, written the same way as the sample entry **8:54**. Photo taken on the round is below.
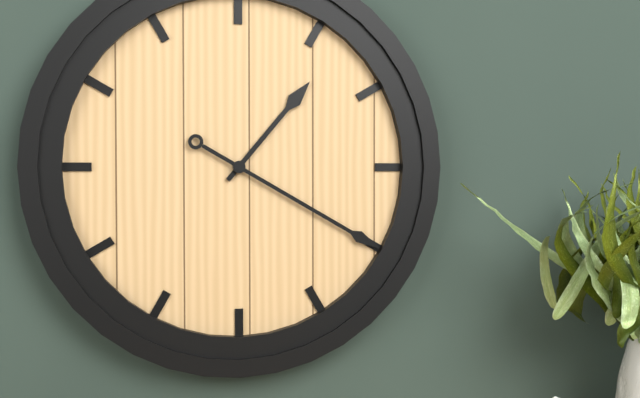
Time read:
**1:20**
